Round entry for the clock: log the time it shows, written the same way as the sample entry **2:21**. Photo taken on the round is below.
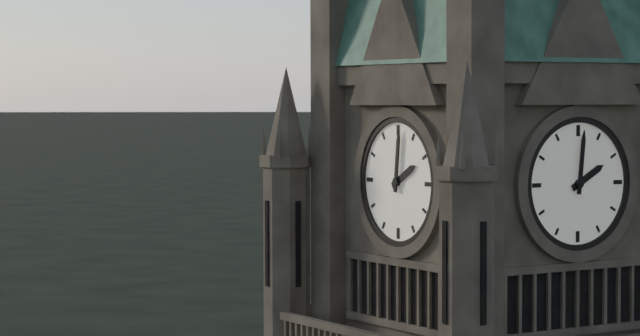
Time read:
**2:01**
